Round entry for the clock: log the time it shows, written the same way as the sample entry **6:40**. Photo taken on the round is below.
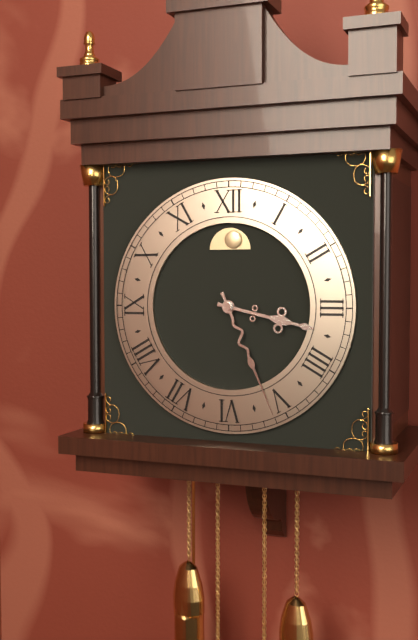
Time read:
**3:26**
